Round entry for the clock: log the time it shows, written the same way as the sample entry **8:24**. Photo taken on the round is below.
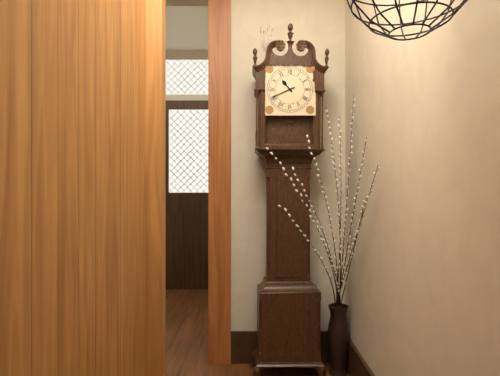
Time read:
**10:41**
